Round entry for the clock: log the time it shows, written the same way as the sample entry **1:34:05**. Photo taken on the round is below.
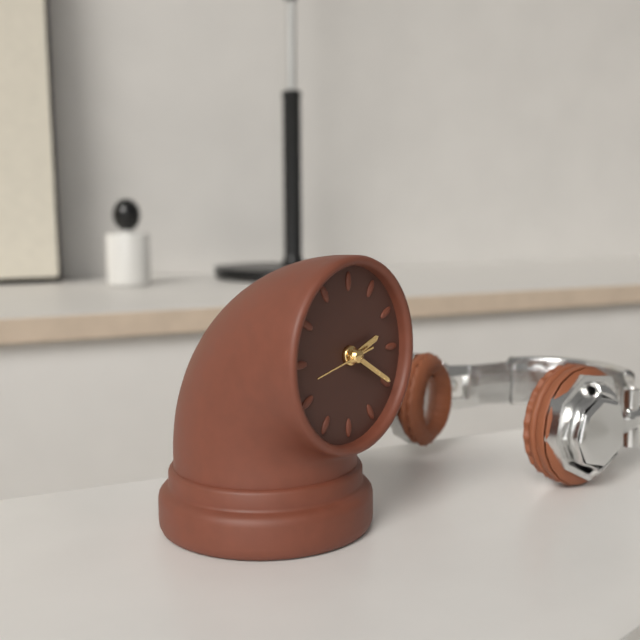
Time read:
**2:20:43**
